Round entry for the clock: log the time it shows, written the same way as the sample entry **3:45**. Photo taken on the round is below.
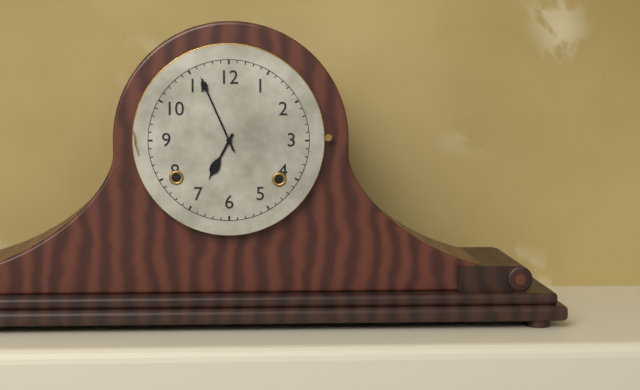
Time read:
**6:56**
